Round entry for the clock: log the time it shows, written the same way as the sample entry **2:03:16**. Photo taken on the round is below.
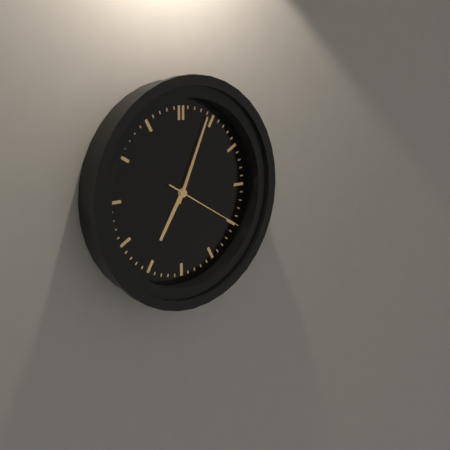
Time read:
**7:04:20**
